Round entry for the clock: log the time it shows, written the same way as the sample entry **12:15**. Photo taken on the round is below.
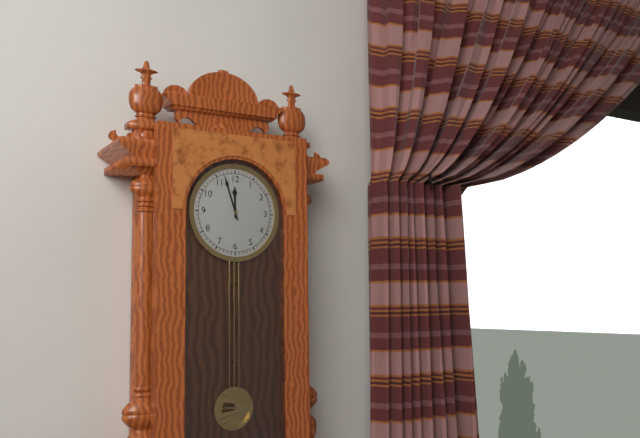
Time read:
**11:57**
